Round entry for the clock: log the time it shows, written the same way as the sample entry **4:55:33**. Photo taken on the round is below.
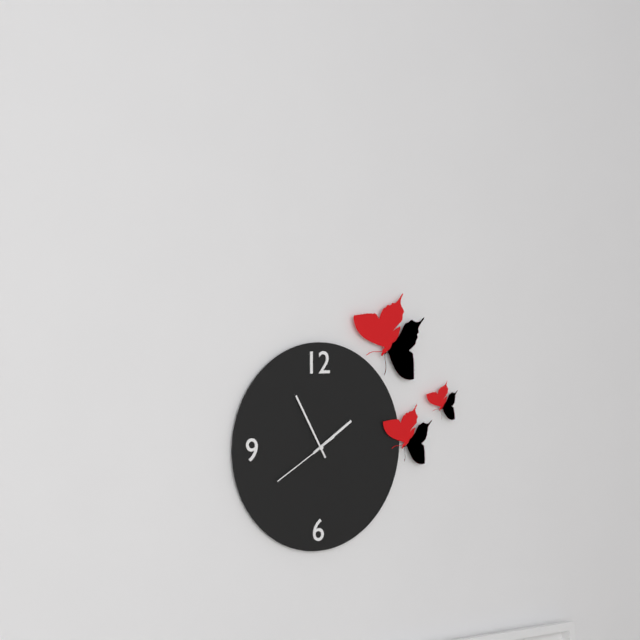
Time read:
**1:55:40**
